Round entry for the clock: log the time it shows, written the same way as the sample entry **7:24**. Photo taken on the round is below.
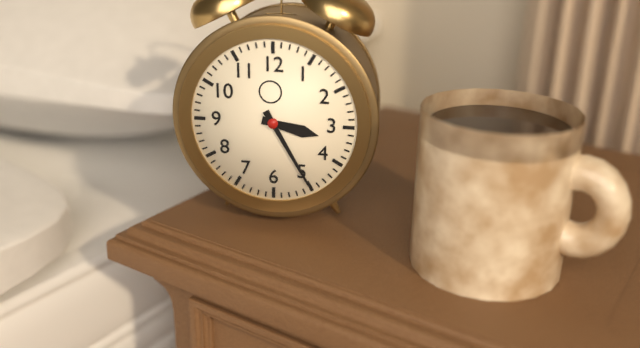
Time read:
**3:25**
